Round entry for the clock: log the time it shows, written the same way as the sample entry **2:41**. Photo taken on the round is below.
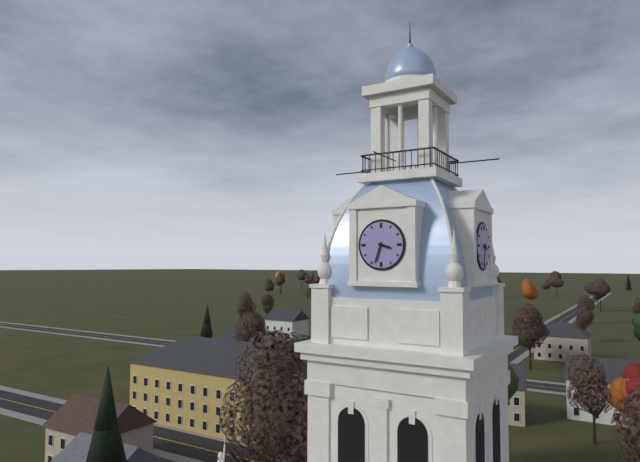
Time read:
**3:33**
